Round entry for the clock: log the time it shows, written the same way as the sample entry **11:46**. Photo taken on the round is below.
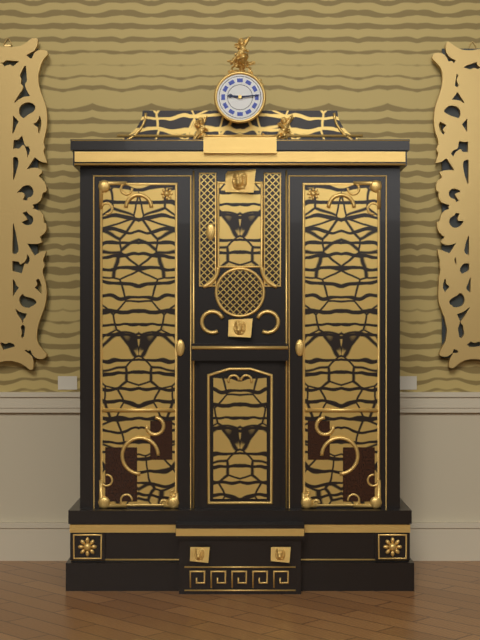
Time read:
**9:14**
